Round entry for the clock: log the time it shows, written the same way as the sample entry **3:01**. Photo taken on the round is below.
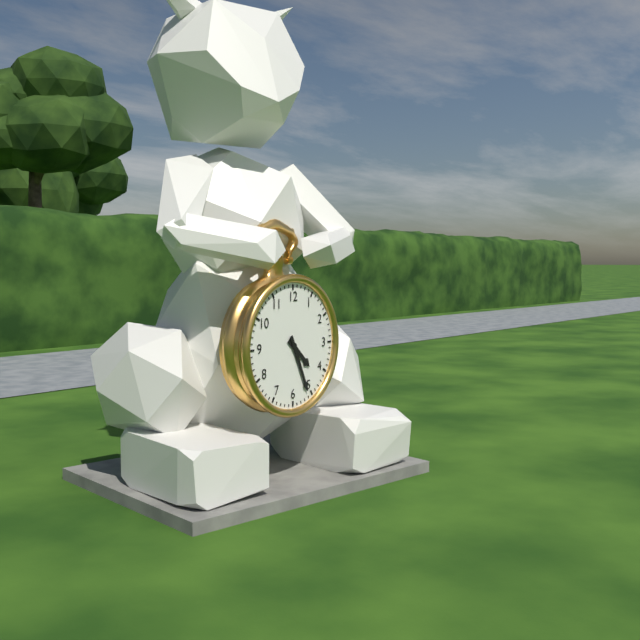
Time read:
**4:26**
